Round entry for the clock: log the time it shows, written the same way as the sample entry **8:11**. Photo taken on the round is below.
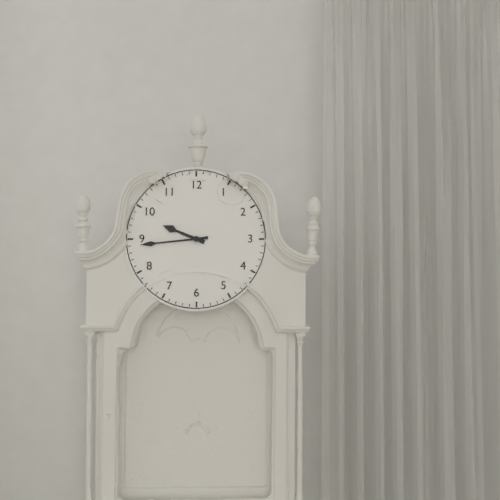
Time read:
**9:44**
